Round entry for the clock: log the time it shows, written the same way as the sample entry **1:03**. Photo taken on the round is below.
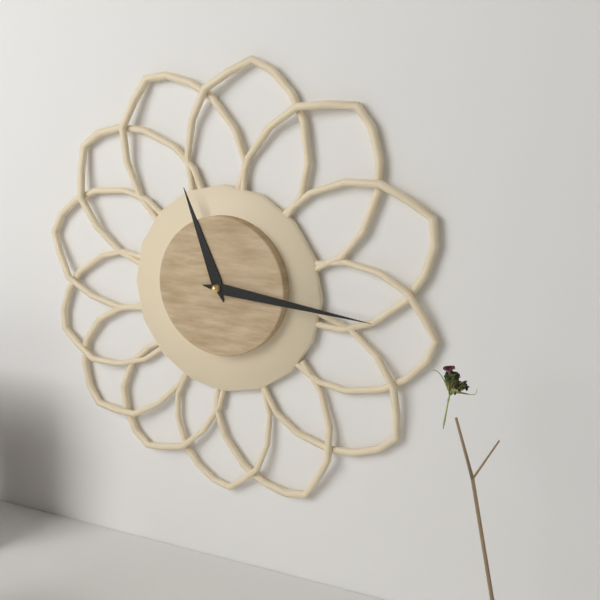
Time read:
**11:16**
